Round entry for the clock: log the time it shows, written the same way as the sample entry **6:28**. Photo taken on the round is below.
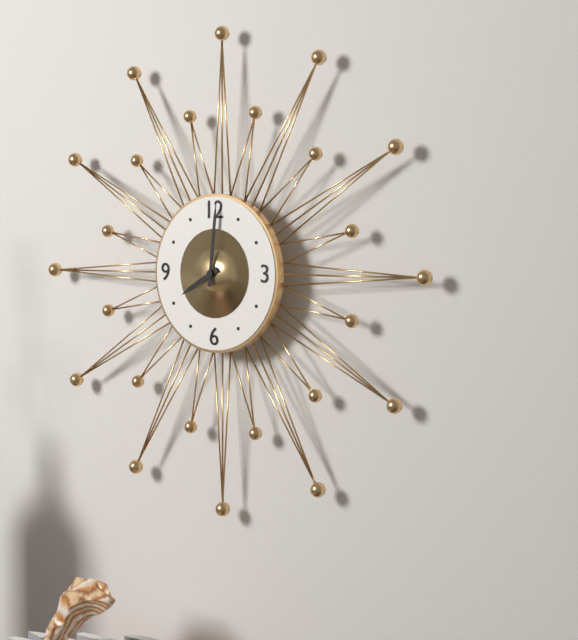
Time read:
**8:01**
